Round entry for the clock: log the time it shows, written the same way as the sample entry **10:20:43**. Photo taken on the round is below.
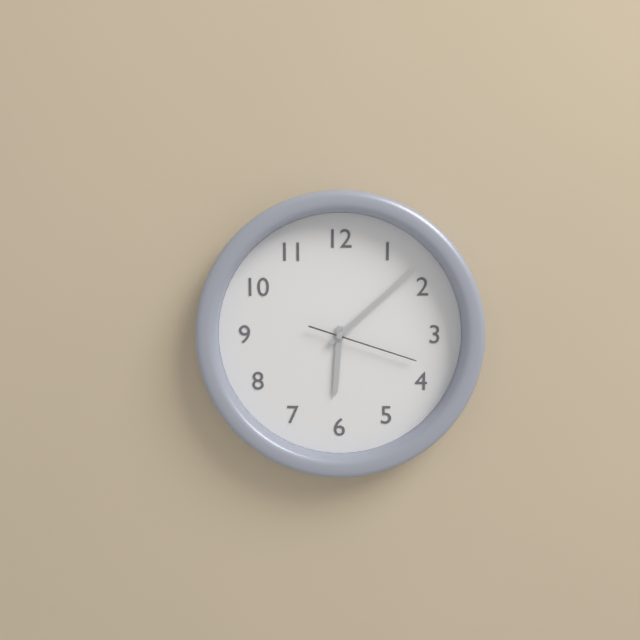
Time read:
**6:08:18**
